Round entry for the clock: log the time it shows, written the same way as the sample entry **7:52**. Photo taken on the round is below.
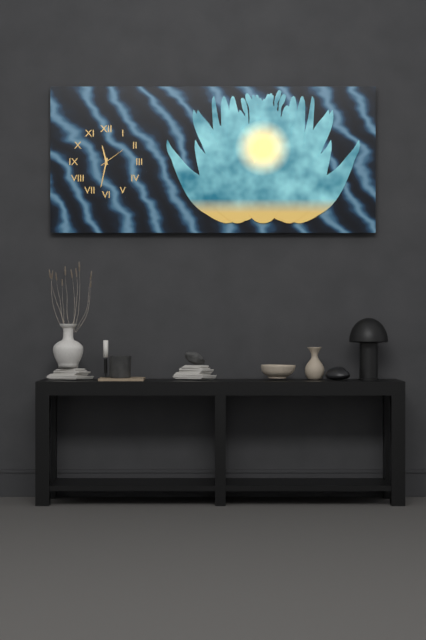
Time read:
**11:32**
